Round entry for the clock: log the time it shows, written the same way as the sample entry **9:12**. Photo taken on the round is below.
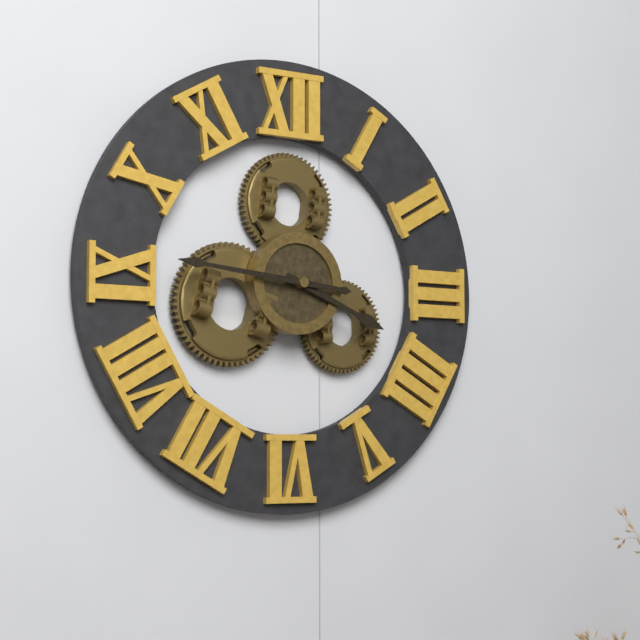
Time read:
**3:46**
